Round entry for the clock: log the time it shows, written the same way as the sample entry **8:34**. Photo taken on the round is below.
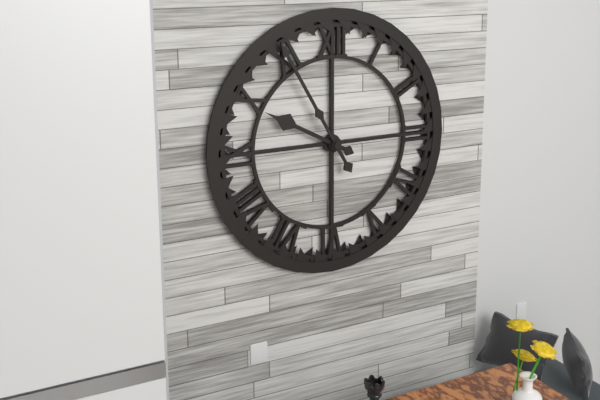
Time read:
**9:55**
